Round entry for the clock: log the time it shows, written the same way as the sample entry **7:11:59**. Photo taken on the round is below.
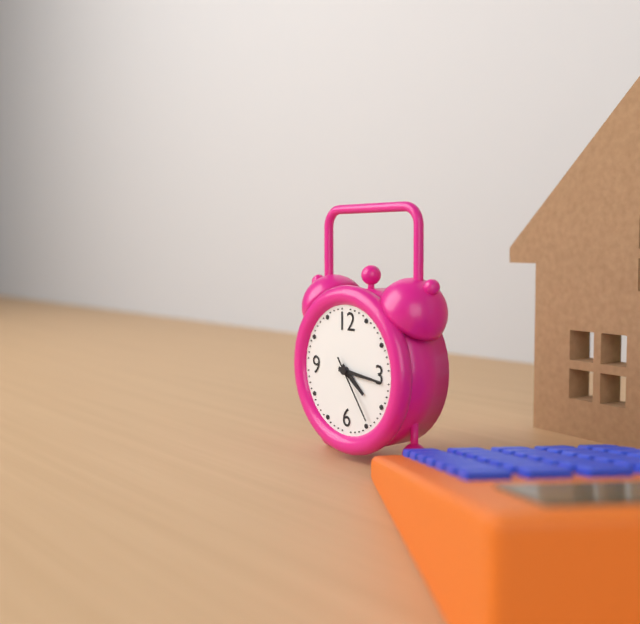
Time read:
**4:16:24**
